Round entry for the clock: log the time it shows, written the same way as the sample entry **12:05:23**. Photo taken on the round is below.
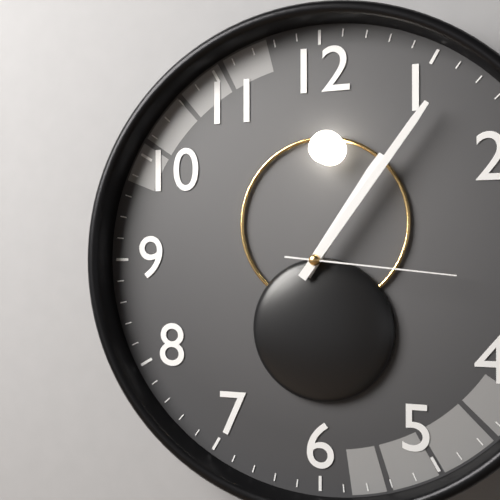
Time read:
**1:06:16**
